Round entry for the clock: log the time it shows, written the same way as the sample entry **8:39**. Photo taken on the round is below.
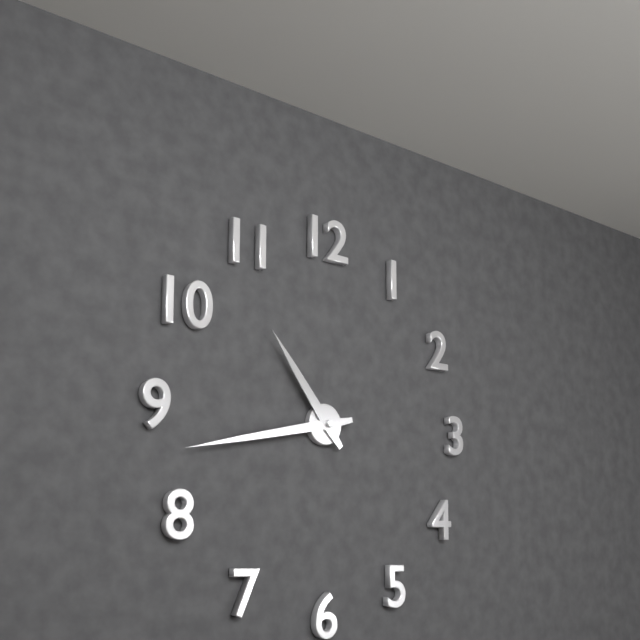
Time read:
**10:43**
